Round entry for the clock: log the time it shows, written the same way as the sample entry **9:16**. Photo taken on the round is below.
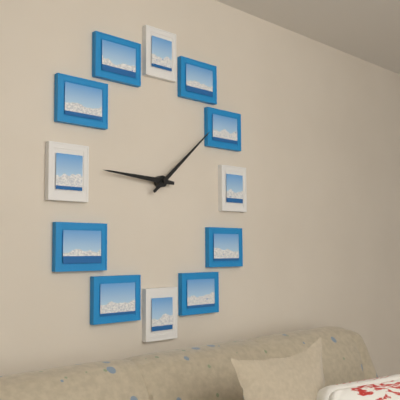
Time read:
**9:08**
